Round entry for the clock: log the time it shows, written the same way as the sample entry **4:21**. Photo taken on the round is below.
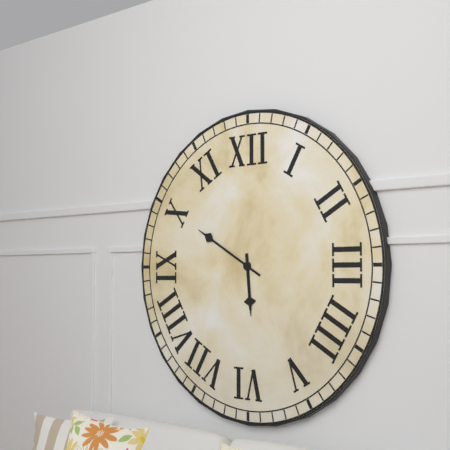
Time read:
**5:50**
